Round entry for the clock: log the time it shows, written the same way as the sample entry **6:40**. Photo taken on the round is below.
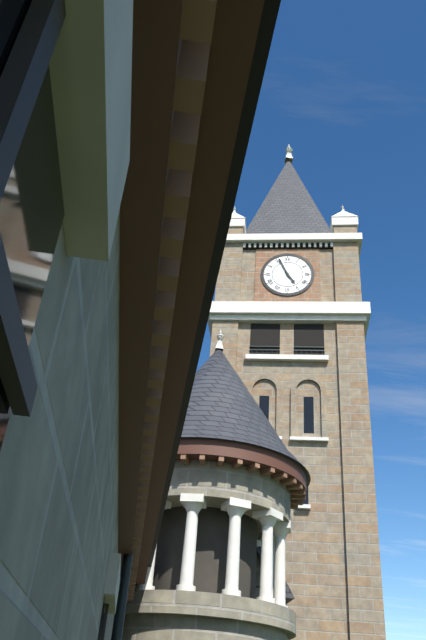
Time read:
**4:56**
